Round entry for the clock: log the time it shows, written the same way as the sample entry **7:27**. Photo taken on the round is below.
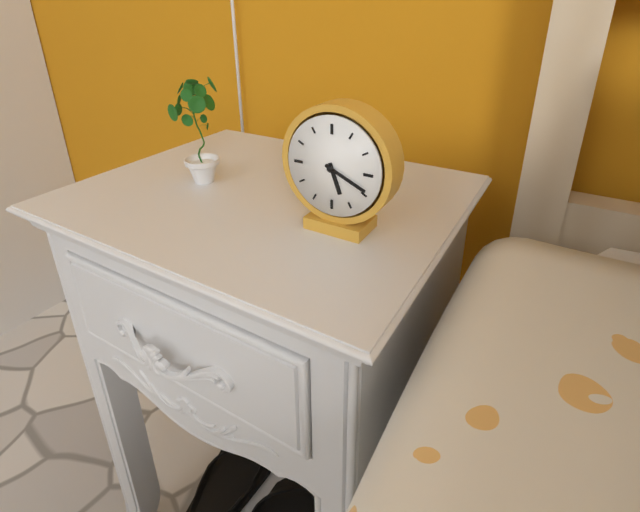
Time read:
**5:19**
